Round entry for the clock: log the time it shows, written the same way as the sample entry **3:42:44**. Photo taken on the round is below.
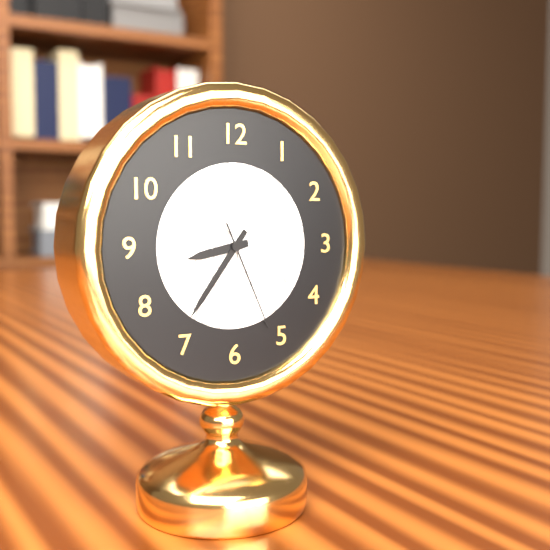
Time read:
**8:36:26**
